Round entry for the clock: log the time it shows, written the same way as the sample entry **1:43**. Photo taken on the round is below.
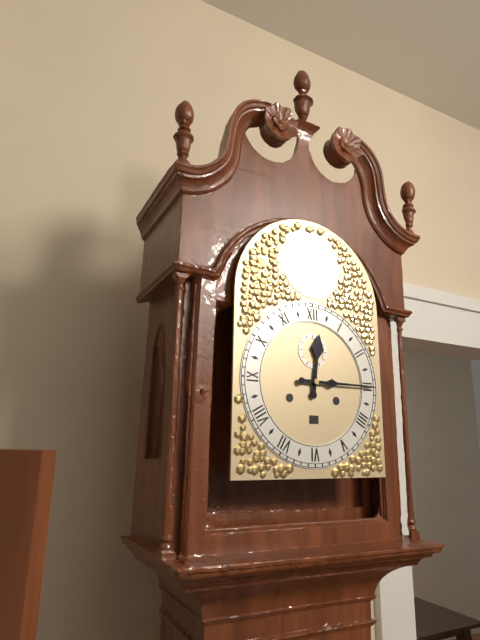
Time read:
**12:15**
